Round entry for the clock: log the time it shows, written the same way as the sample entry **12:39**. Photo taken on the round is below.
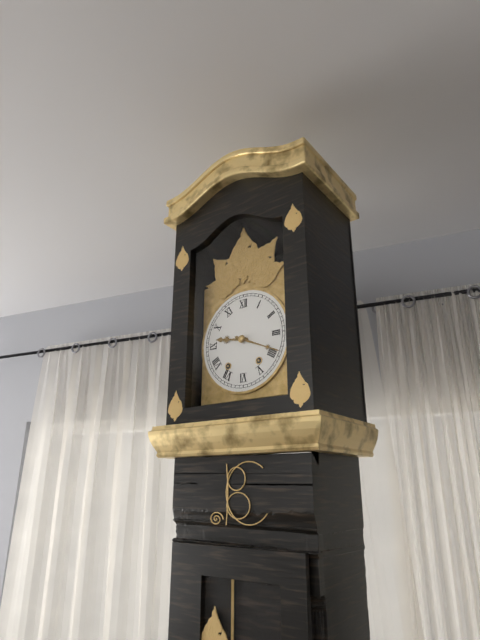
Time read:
**9:19**
